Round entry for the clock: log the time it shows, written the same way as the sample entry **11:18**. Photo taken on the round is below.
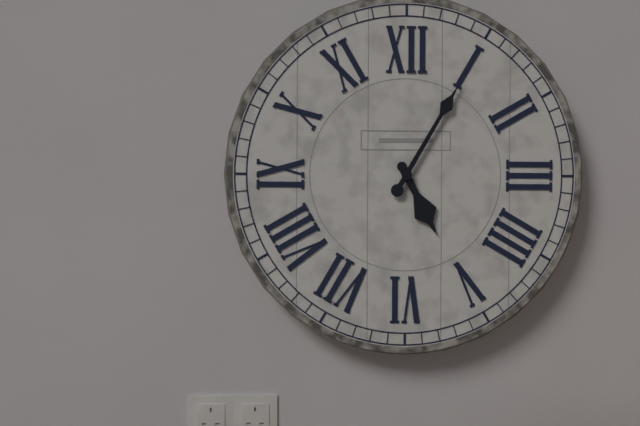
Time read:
**5:05**
